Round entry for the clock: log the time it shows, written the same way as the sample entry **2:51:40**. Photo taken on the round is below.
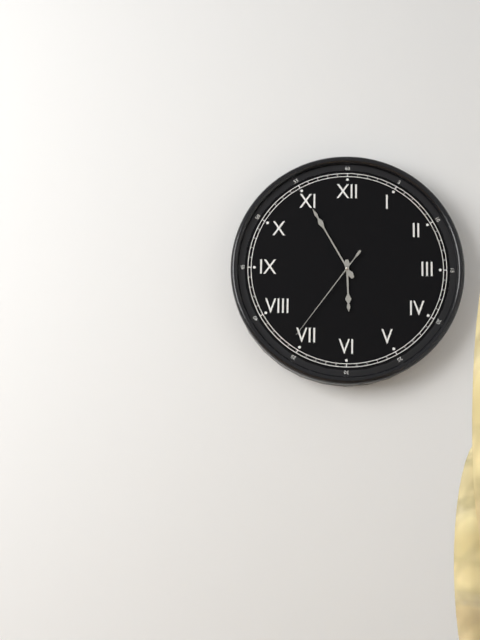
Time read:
**5:55:36**
